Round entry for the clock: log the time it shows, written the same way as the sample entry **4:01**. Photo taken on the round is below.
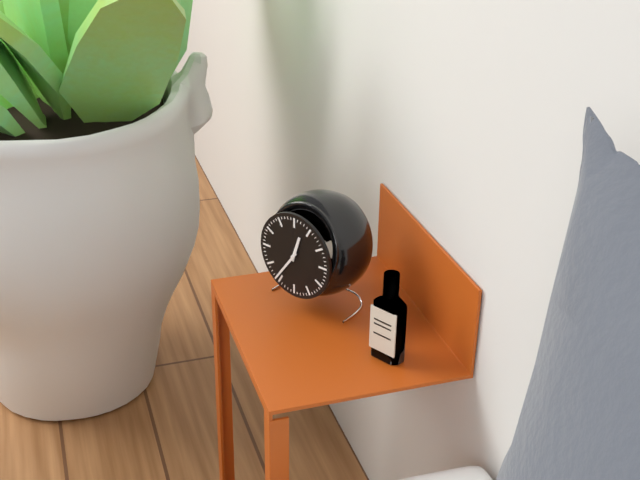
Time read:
**12:36**
